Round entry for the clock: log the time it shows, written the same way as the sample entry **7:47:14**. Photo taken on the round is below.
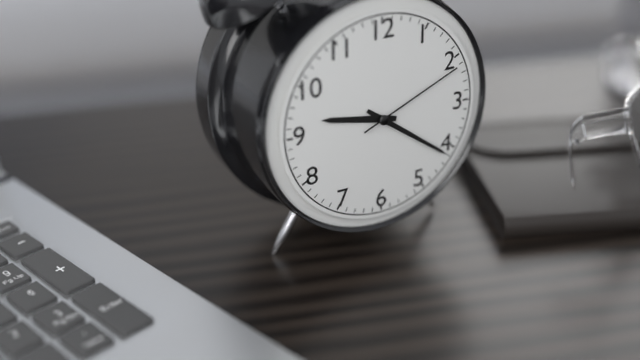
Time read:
**9:21:11**
